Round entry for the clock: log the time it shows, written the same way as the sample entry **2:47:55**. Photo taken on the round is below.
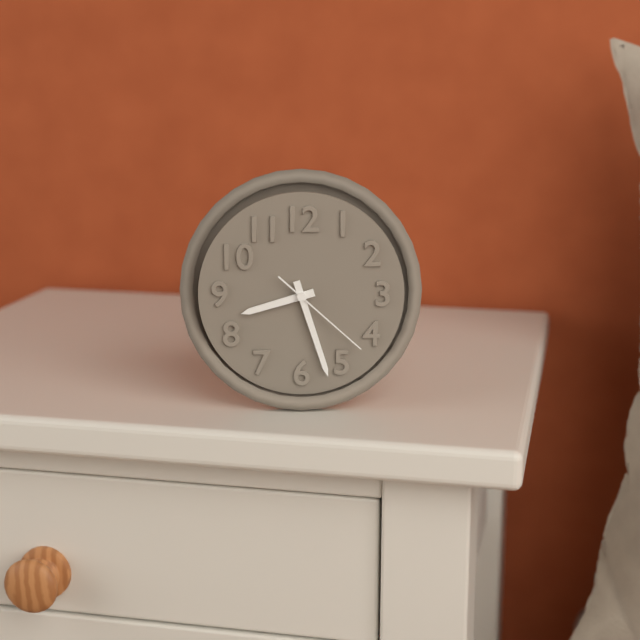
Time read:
**8:27:22**
